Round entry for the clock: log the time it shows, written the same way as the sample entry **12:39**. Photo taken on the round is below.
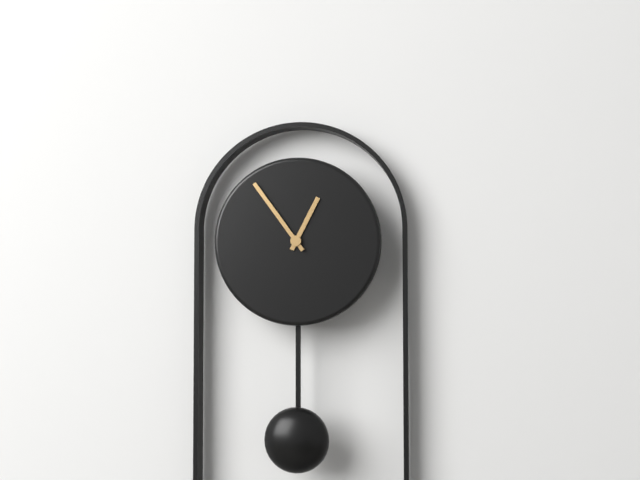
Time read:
**12:54**
